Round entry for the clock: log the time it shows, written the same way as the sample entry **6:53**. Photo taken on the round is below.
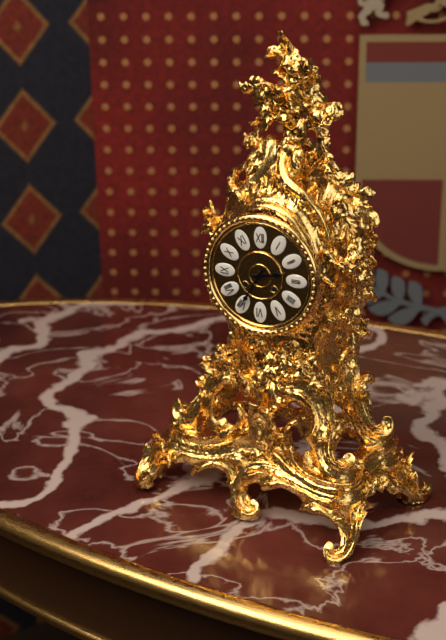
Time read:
**2:35**
